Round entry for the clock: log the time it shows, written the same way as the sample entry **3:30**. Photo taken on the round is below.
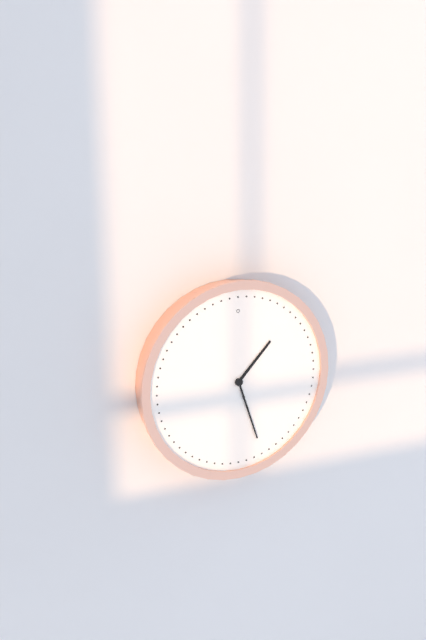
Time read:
**1:27**
